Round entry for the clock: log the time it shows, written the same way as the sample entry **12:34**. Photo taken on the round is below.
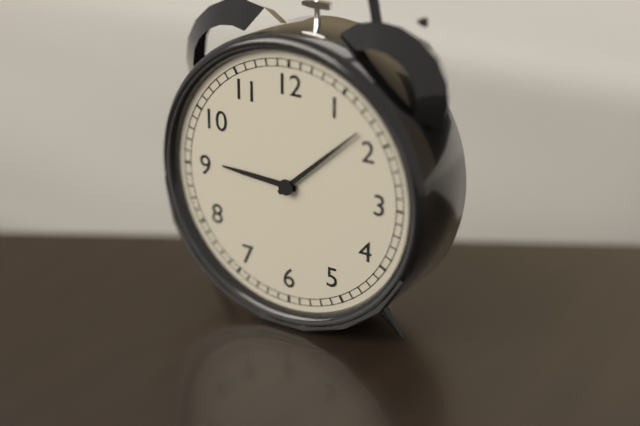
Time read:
**9:08**
